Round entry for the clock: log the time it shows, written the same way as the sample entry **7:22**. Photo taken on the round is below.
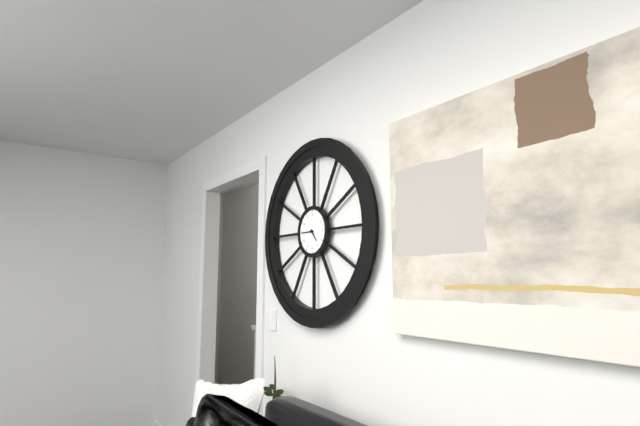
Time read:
**4:45**
